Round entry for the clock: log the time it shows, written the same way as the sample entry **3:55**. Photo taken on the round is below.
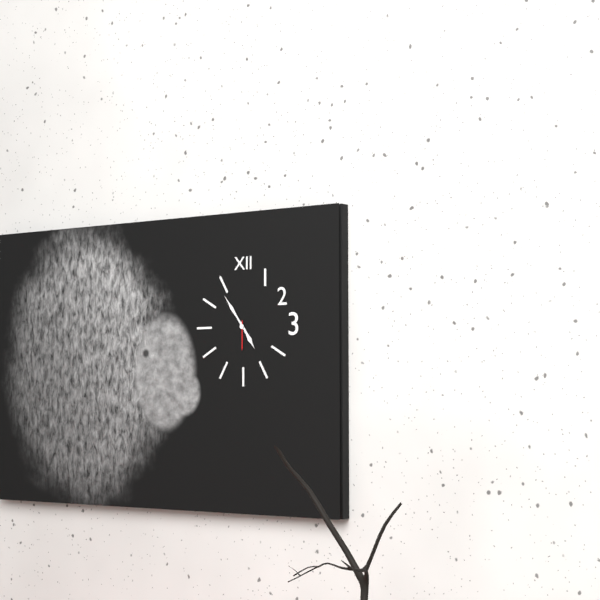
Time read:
**4:54**
